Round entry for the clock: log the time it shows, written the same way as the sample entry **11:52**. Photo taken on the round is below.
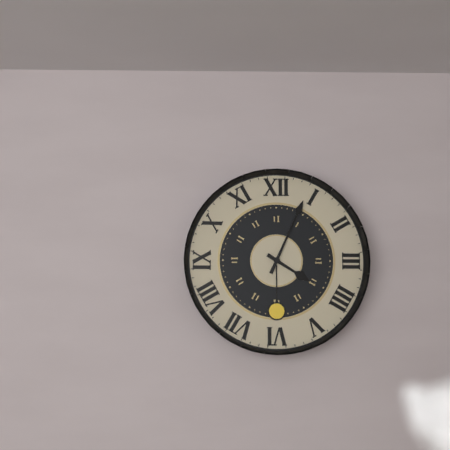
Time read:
**4:04**
